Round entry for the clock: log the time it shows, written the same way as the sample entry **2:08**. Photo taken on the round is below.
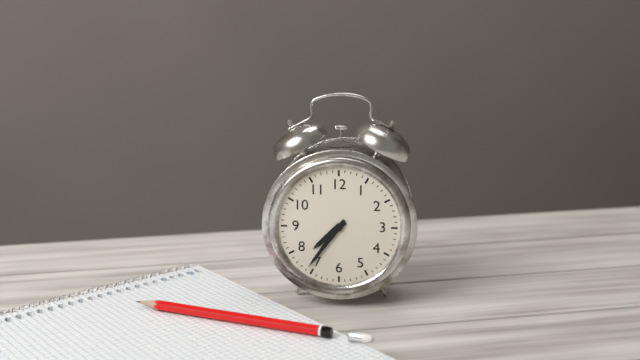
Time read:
**7:36**
